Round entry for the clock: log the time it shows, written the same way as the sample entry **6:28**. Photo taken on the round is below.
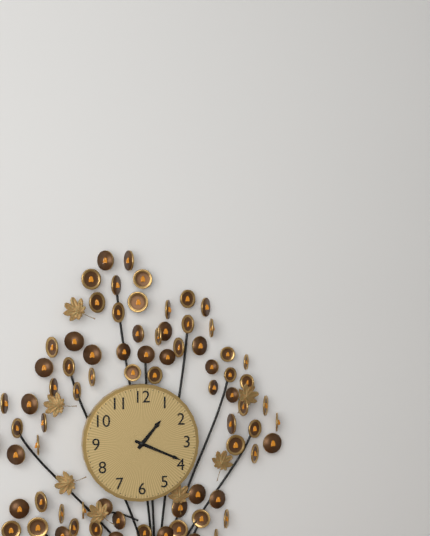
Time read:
**1:19**
